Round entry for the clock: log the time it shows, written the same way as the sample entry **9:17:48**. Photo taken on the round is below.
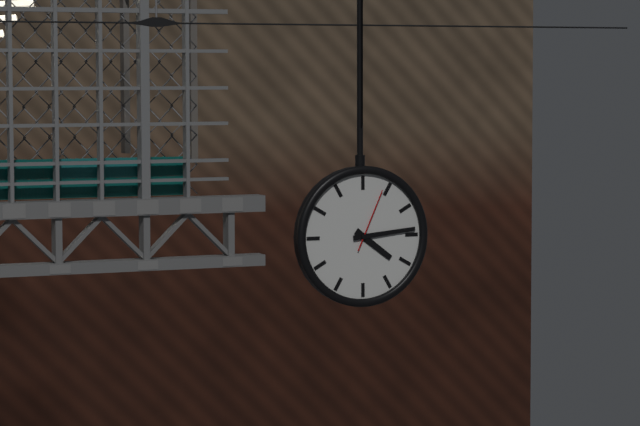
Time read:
**4:14:04**
